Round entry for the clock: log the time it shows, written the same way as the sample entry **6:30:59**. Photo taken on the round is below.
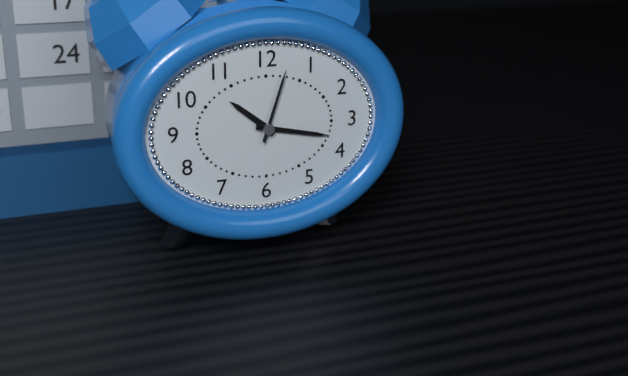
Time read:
**10:17:03**
